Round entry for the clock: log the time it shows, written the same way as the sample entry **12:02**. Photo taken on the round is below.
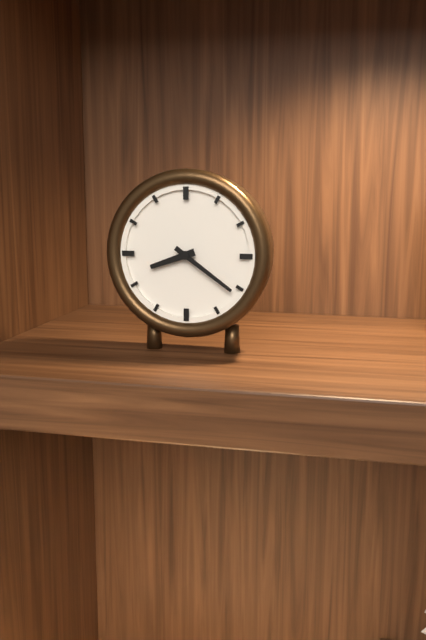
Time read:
**8:21**
